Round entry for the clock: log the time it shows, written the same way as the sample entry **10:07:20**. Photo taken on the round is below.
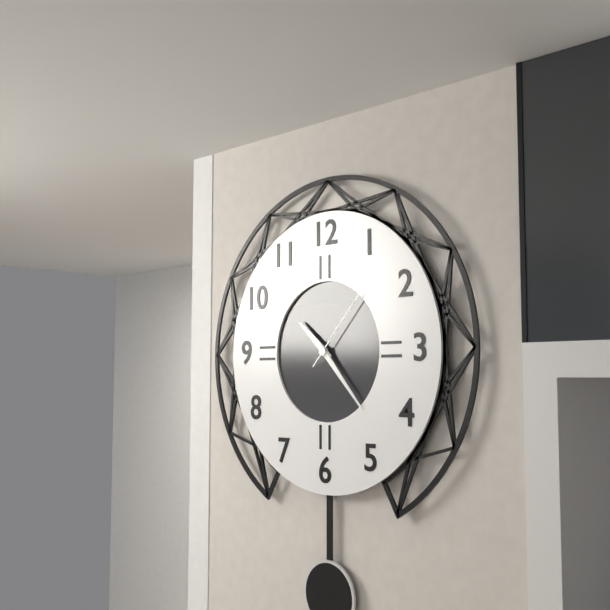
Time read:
**10:23:07**
